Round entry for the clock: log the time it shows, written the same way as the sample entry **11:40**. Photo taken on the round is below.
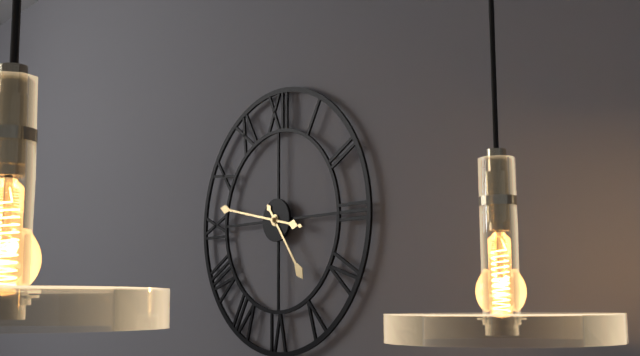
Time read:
**4:47**
